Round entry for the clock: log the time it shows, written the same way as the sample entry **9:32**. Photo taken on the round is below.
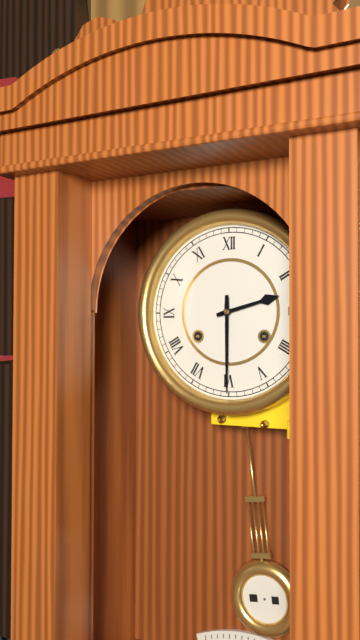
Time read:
**2:30**
